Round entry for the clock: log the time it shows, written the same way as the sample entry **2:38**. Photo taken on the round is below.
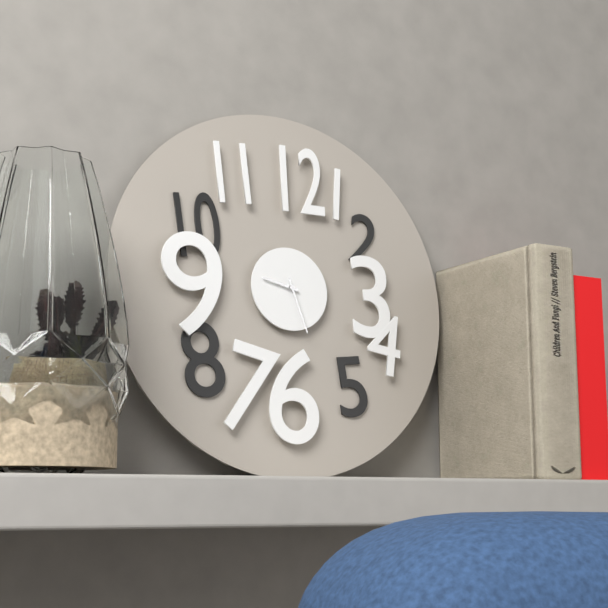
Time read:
**9:27**
